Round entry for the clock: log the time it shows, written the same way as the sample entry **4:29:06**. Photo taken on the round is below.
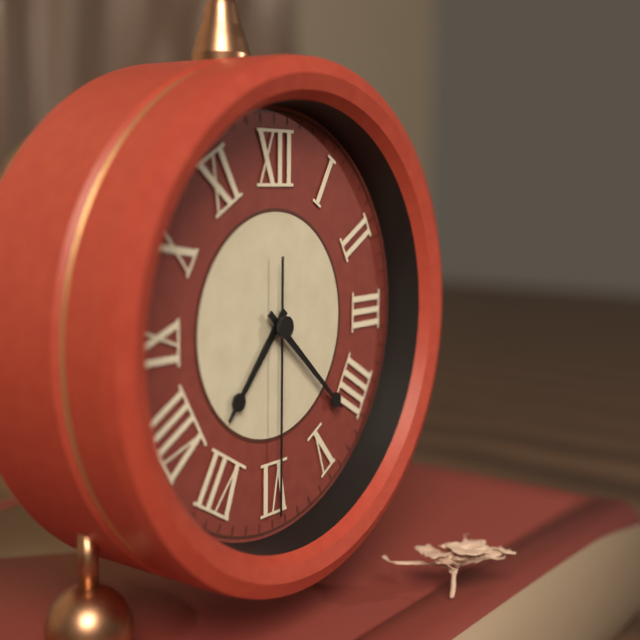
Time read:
**7:22:30**
